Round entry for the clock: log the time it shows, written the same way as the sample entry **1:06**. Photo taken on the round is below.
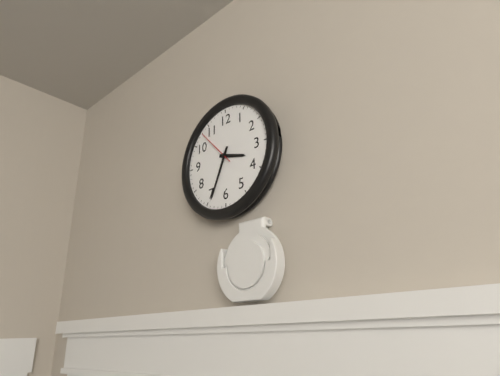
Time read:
**3:34**
